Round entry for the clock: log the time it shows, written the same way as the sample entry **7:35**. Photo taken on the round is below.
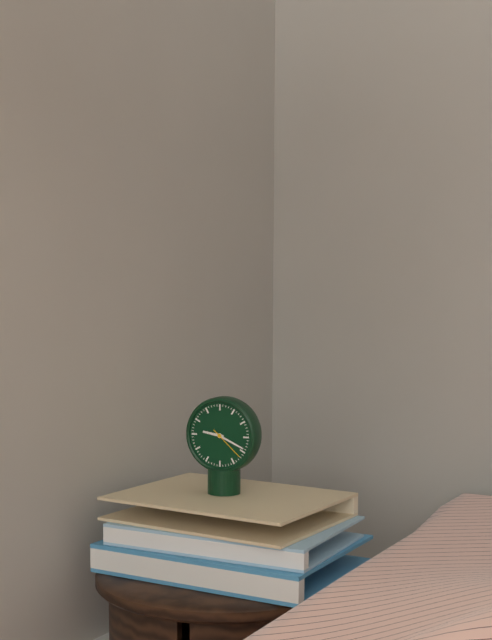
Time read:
**9:19**
